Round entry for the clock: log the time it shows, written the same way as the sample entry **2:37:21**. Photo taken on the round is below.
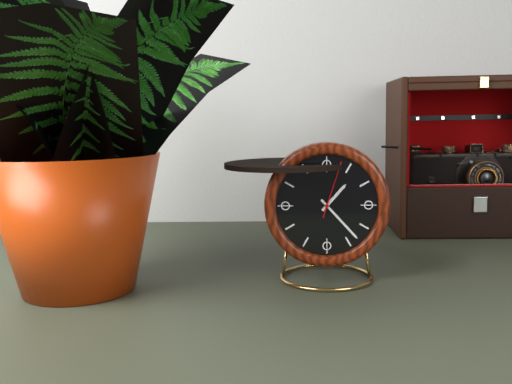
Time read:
**1:23:03**
